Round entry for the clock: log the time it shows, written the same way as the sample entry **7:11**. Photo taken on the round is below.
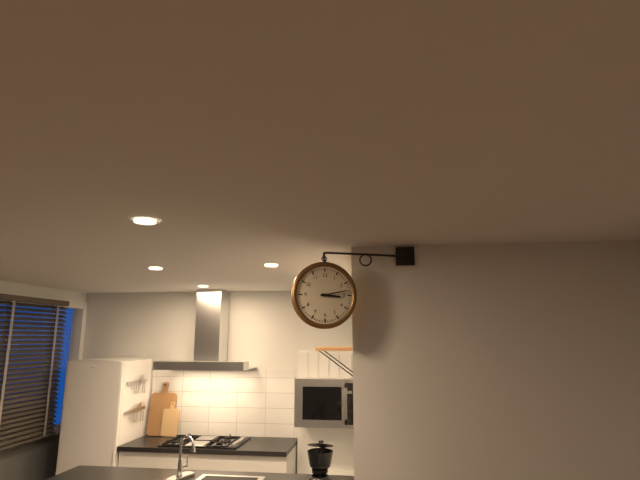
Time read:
**3:13**
